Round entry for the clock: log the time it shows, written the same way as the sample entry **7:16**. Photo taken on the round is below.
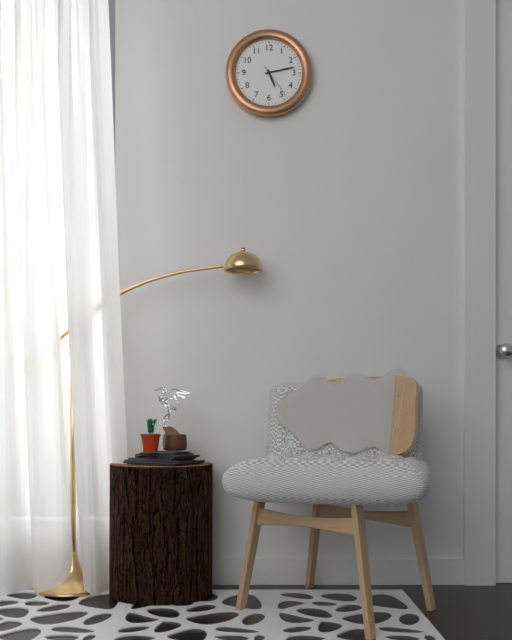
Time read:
**5:13**
